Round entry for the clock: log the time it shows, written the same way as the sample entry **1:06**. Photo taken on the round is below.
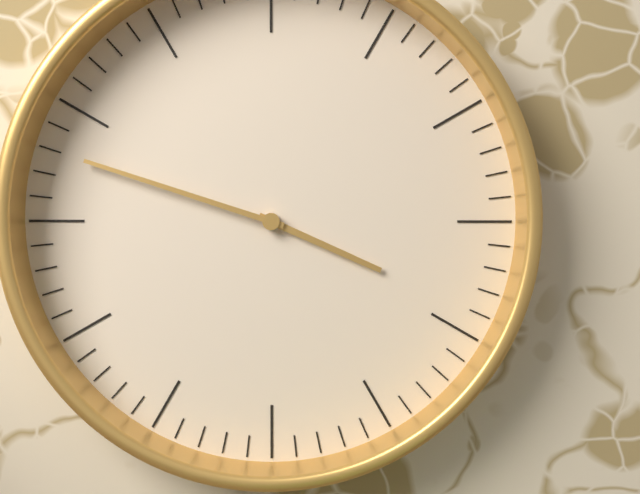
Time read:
**3:48**
